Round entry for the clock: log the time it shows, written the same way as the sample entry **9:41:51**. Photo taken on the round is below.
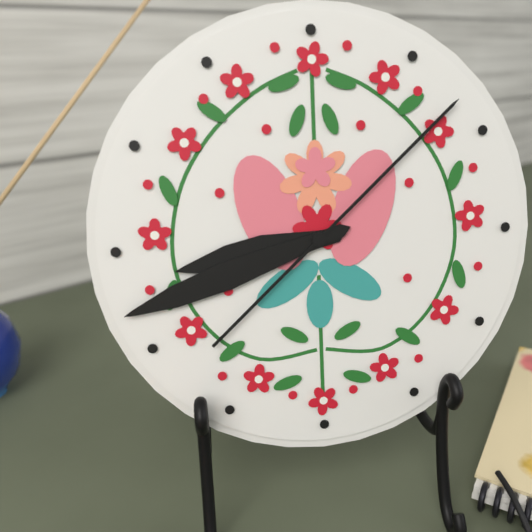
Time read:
**8:42:08**
